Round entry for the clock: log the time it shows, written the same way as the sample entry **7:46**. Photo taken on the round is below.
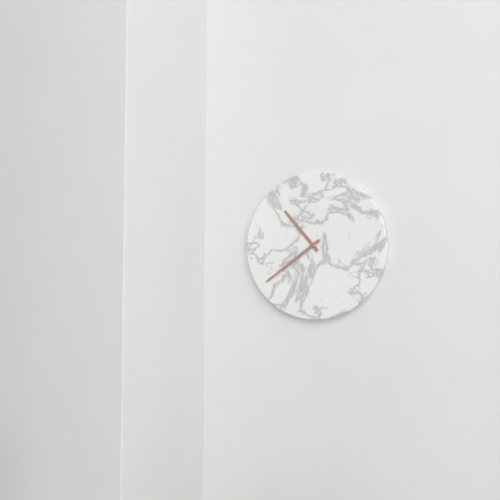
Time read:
**10:39**
